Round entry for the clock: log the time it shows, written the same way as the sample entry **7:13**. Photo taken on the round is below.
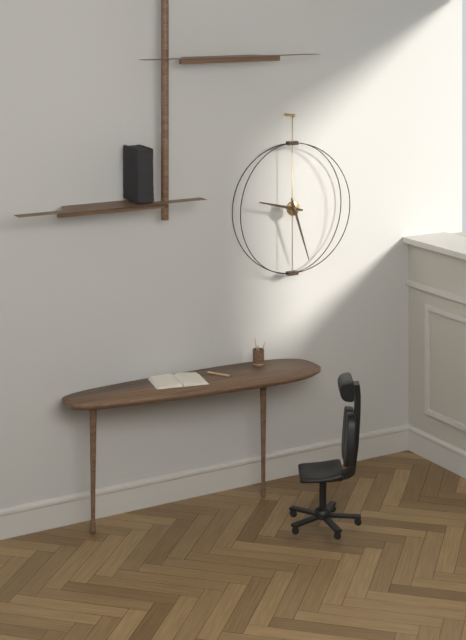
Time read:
**9:27**
